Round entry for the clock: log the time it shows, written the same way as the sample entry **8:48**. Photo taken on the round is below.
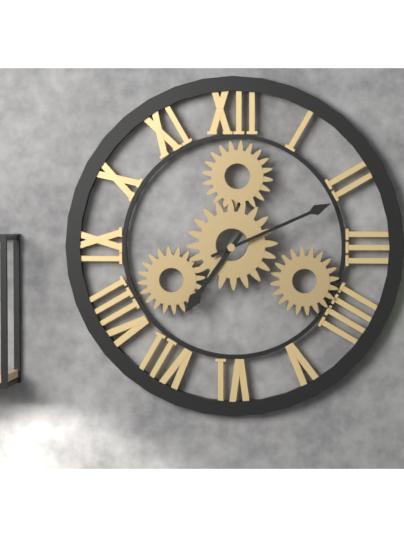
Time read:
**7:11**
